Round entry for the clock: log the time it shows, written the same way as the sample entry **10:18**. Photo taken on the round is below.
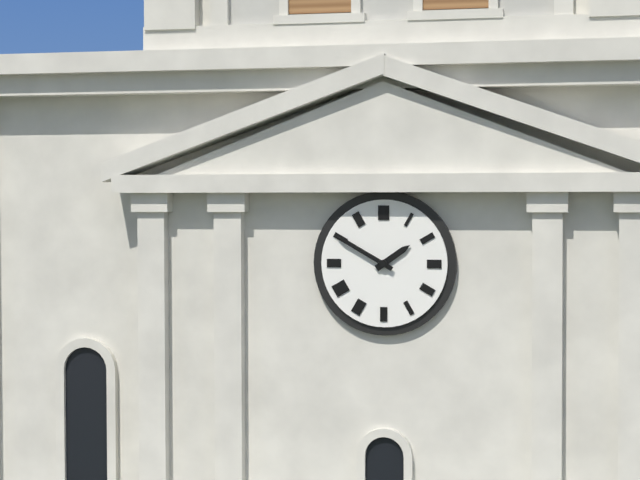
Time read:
**1:50**
